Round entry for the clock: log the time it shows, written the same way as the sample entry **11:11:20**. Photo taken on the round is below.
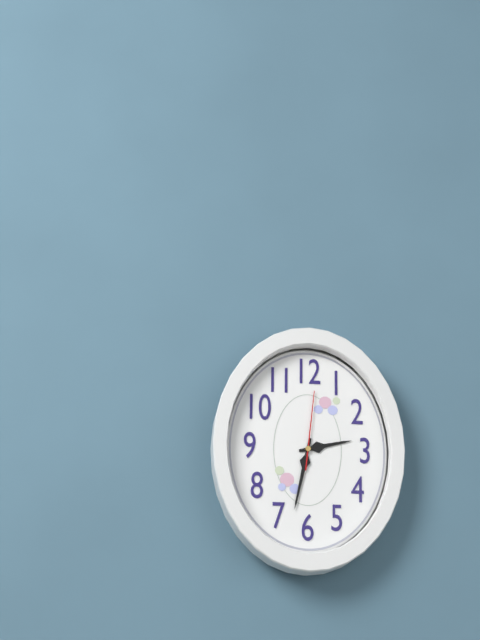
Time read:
**2:32:01**
